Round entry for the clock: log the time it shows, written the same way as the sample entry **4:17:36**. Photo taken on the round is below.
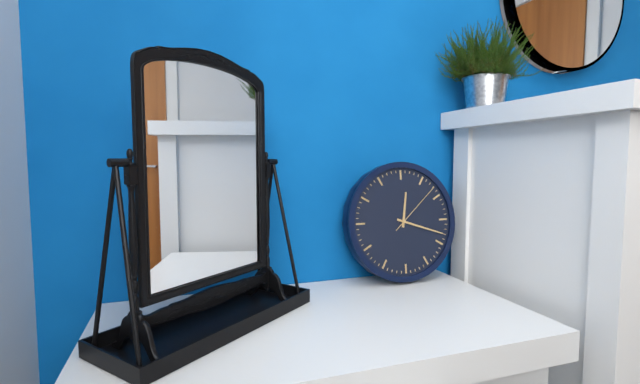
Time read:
**12:18:08**
